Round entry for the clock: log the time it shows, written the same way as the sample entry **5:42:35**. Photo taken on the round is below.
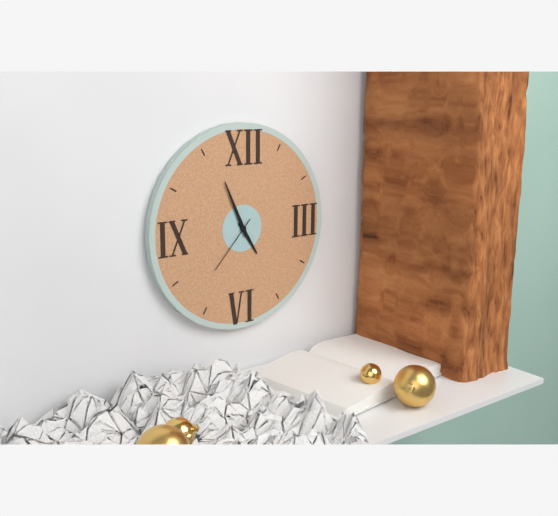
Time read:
**4:56:37**
